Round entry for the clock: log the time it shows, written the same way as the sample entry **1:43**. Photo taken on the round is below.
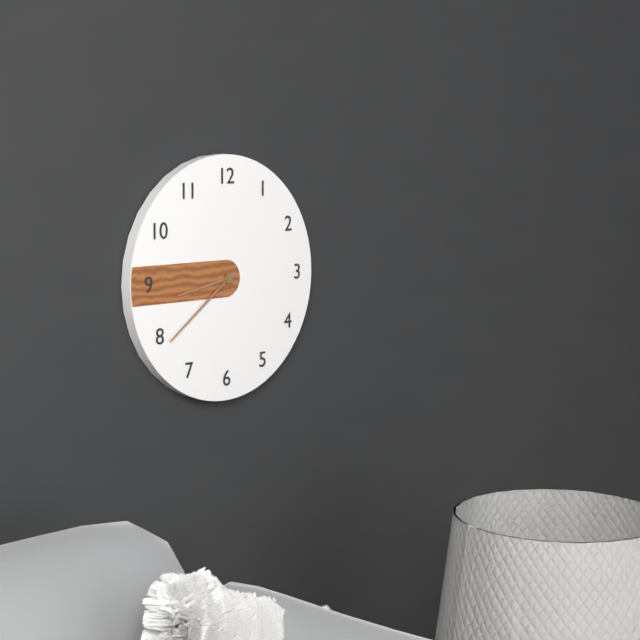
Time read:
**8:39**
